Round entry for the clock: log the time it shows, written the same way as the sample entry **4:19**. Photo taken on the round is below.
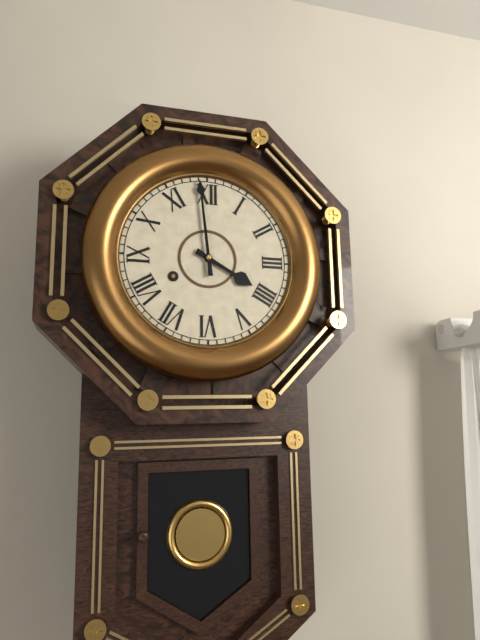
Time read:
**3:59**
